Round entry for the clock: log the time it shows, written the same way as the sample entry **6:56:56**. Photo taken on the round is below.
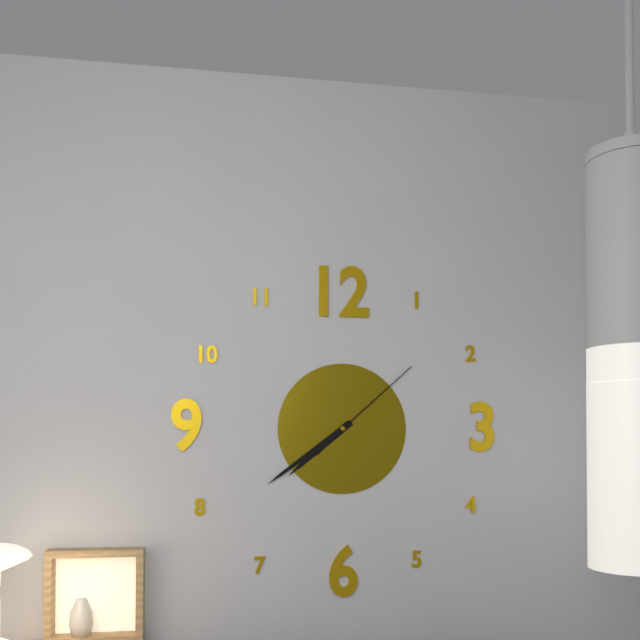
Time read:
**7:39:08**
